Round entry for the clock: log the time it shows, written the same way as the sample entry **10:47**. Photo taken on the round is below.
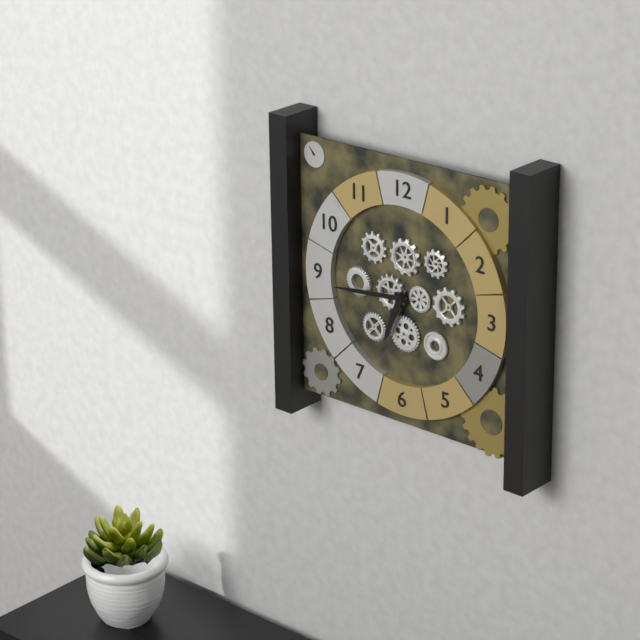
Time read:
**6:44**
